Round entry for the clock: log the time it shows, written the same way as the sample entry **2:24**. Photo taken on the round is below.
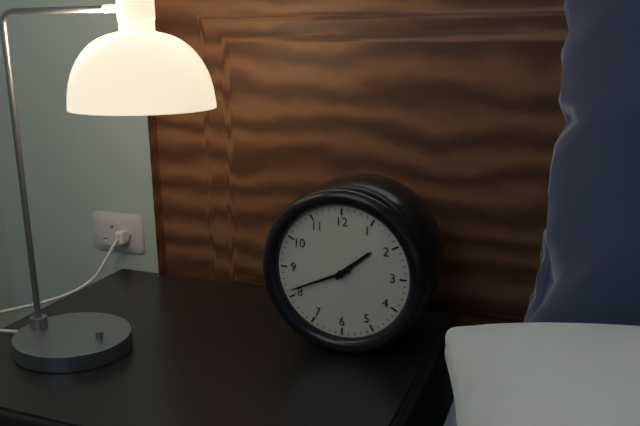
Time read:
**1:41**
